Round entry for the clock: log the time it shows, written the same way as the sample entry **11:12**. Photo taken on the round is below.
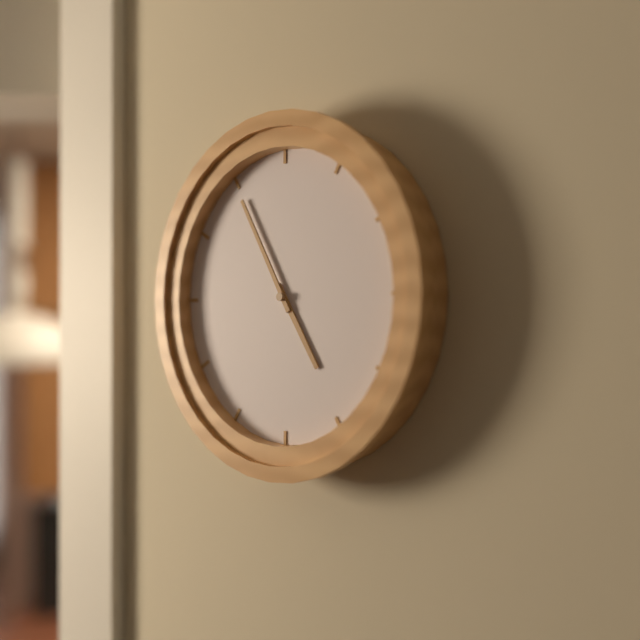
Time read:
**4:55**
